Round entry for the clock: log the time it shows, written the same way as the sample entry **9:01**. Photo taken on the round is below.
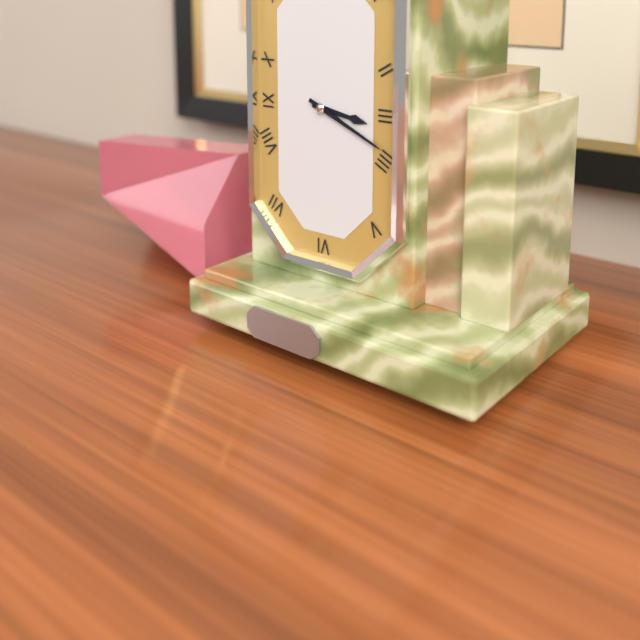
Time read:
**3:19**
